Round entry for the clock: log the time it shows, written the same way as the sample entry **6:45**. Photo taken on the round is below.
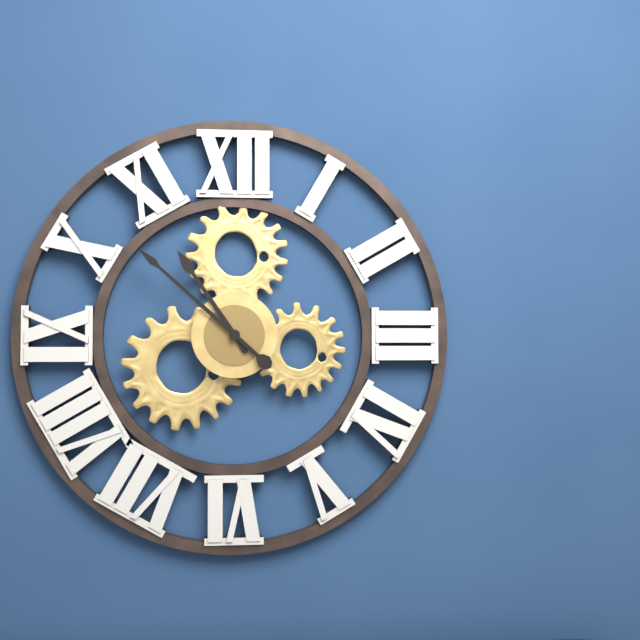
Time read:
**10:52**
